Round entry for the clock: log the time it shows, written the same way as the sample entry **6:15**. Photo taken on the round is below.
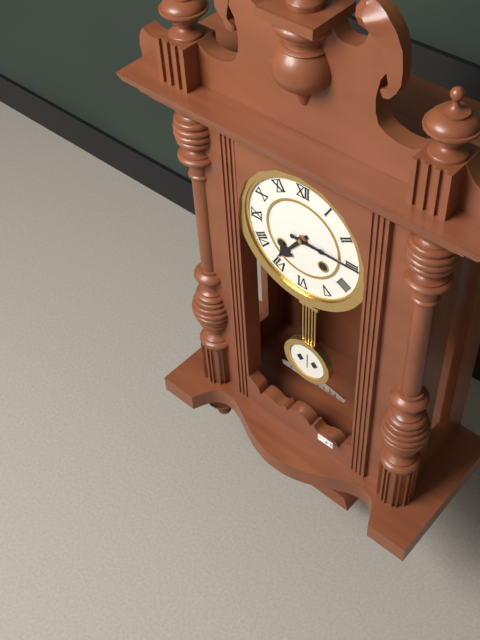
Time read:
**7:15**
